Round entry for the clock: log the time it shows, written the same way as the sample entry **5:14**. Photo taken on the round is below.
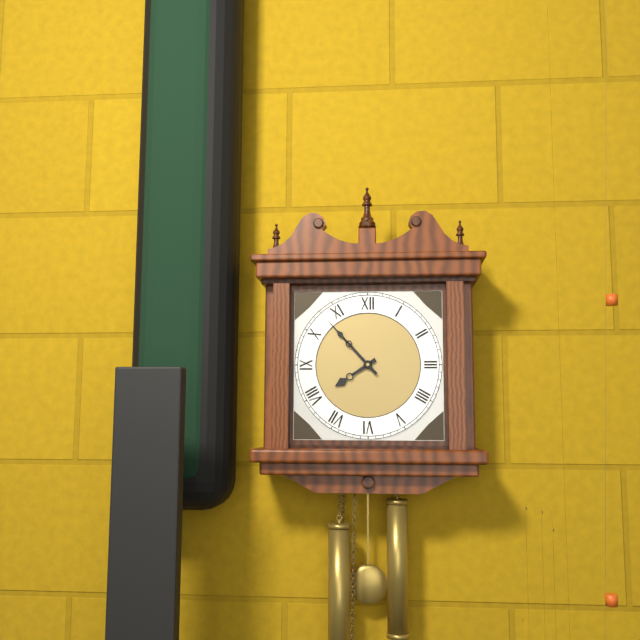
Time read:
**7:53**
